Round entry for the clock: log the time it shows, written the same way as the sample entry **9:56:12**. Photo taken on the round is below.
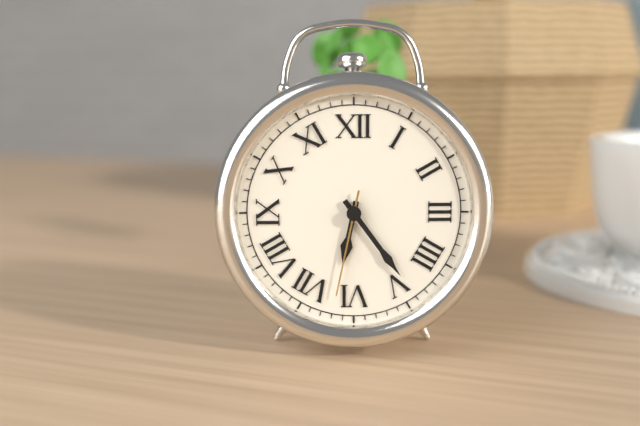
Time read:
**6:24:32**
